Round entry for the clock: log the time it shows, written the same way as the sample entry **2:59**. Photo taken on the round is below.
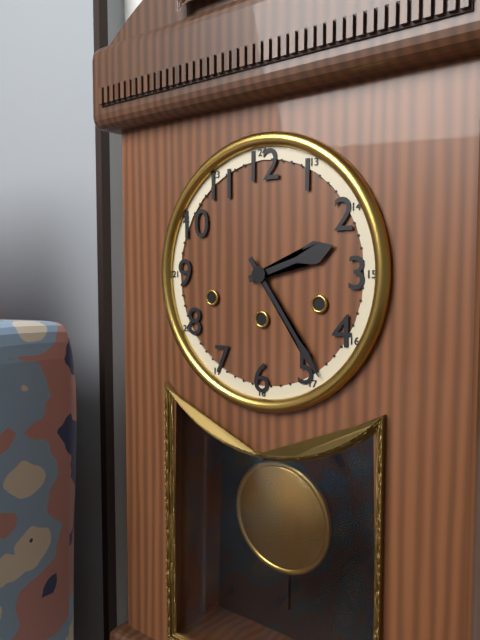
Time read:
**2:24**
